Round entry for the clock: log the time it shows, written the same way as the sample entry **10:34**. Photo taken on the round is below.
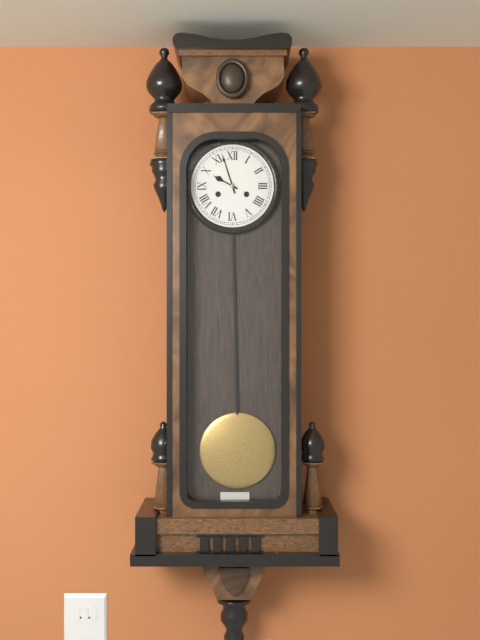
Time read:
**9:57**
